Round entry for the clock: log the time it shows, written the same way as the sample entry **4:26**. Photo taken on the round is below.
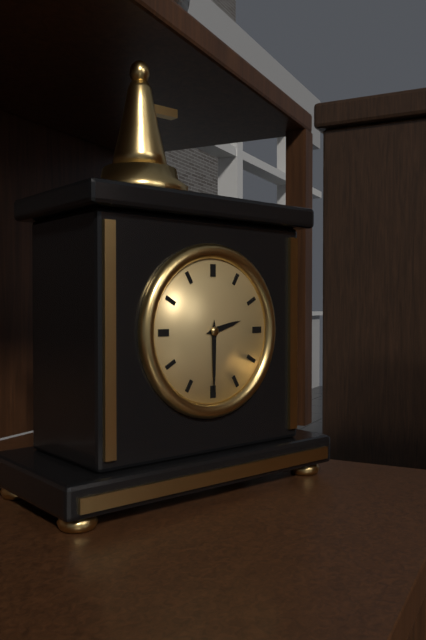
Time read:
**2:30**
